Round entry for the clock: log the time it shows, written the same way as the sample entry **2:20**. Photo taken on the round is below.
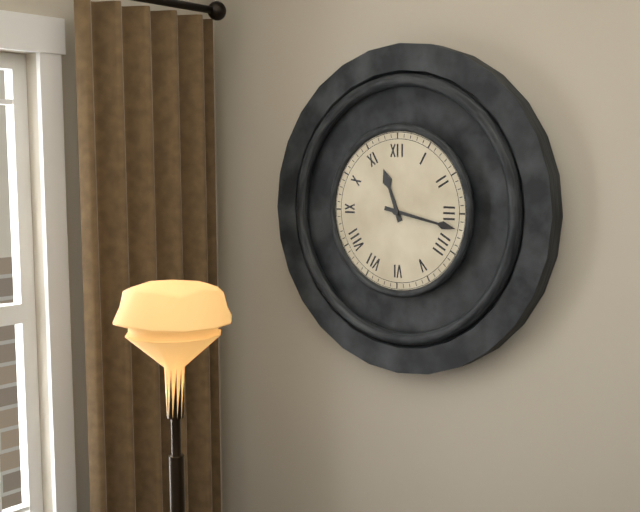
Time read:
**11:17**
